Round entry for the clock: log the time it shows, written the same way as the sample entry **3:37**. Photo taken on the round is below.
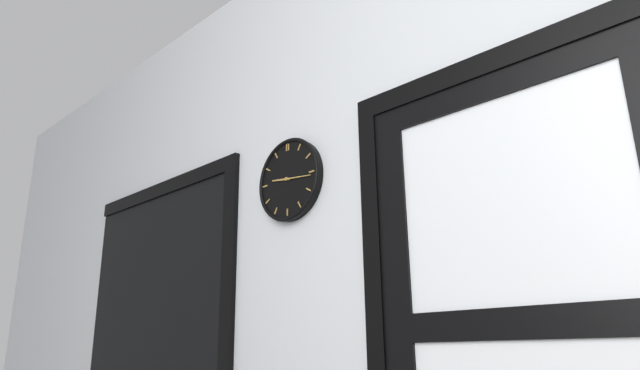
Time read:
**9:16**
